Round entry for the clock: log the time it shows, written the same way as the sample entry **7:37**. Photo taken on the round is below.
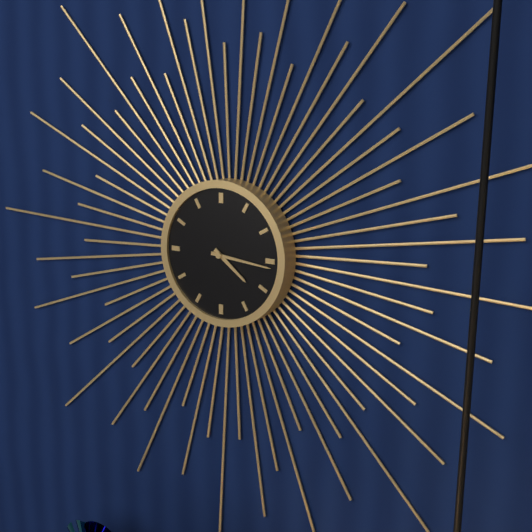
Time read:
**4:16**
